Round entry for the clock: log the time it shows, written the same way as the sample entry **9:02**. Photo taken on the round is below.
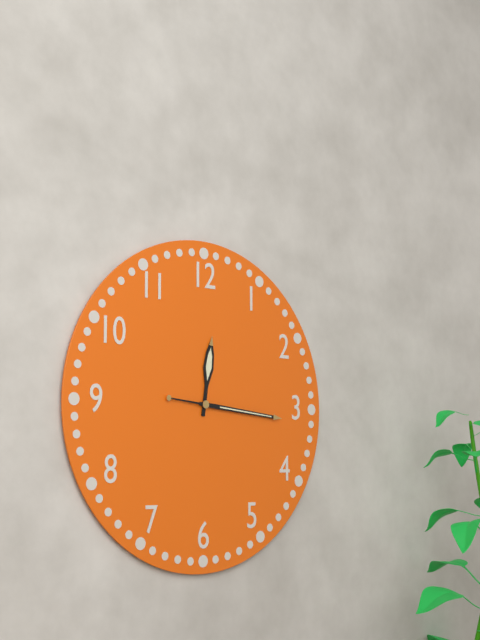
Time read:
**12:16**
